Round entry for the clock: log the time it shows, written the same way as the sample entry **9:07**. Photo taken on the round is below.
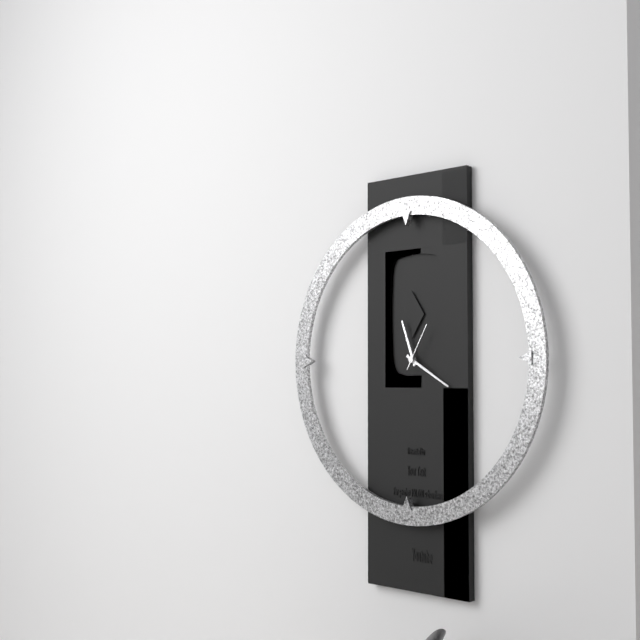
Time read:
**11:20**
